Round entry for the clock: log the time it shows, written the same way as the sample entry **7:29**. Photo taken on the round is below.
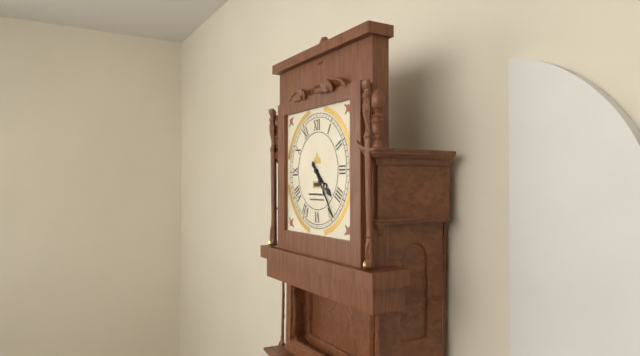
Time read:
**4:24**
